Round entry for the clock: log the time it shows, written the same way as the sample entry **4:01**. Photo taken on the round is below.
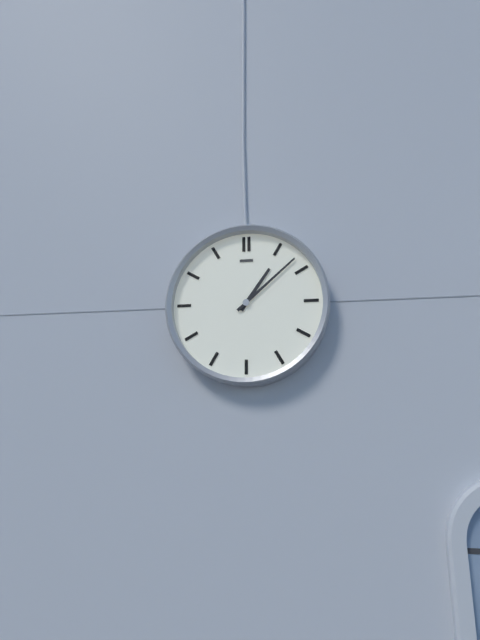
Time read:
**1:08**
